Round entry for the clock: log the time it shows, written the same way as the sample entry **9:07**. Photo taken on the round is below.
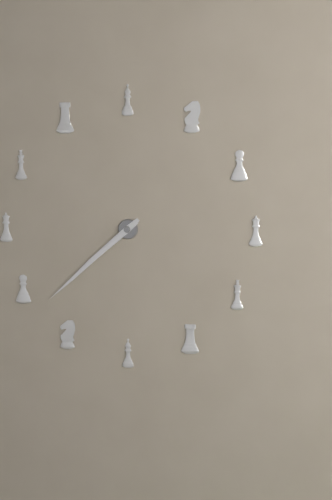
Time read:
**7:38**
